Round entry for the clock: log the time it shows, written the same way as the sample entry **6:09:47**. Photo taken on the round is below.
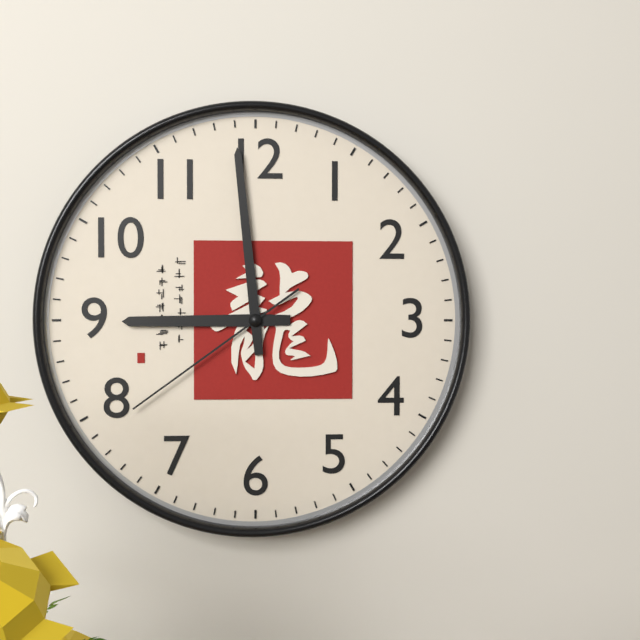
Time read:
**8:59:39**
